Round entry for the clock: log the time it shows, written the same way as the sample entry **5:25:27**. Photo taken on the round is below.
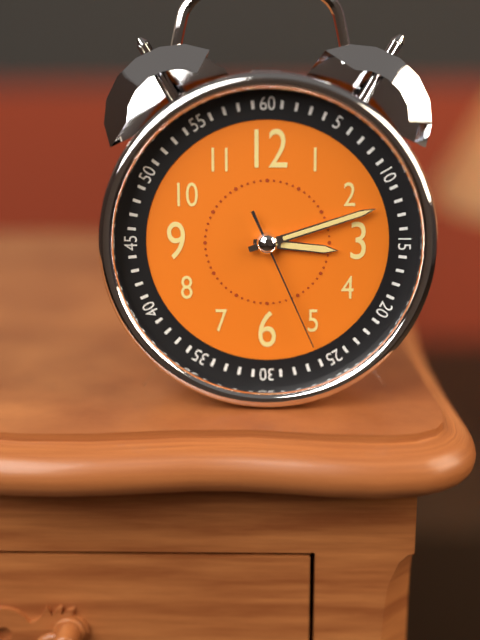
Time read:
**3:12:26**
